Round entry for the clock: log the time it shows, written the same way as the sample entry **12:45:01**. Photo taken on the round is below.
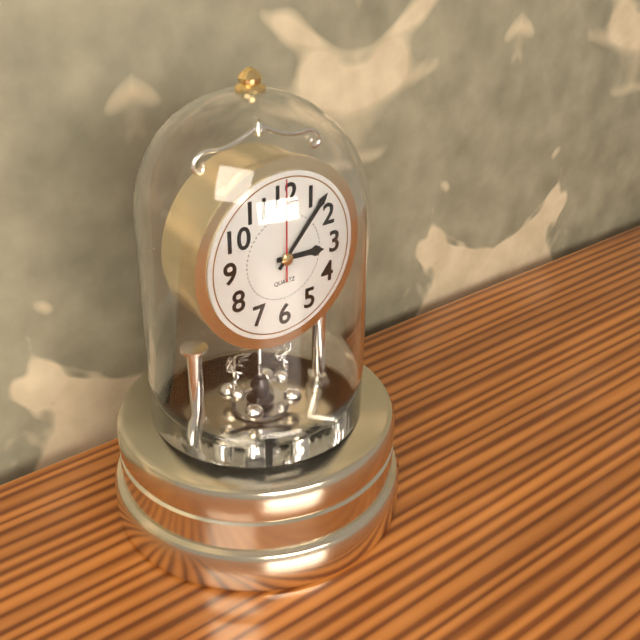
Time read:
**3:07:00**
